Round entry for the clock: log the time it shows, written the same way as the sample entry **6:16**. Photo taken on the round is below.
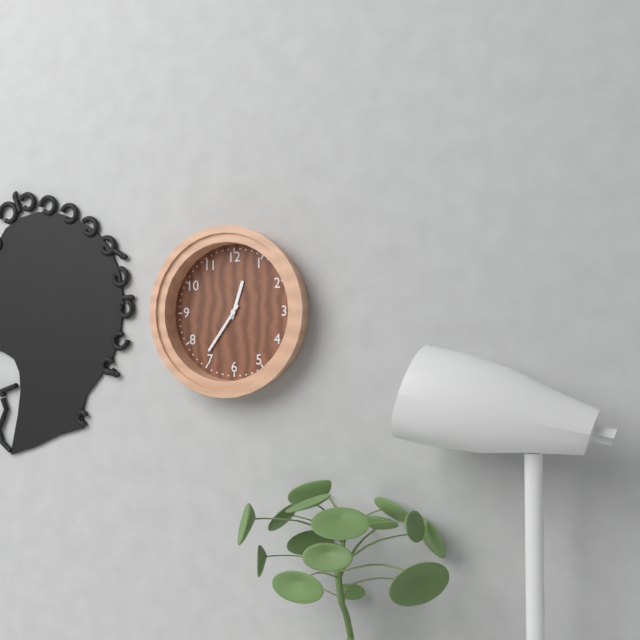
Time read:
**12:36**
